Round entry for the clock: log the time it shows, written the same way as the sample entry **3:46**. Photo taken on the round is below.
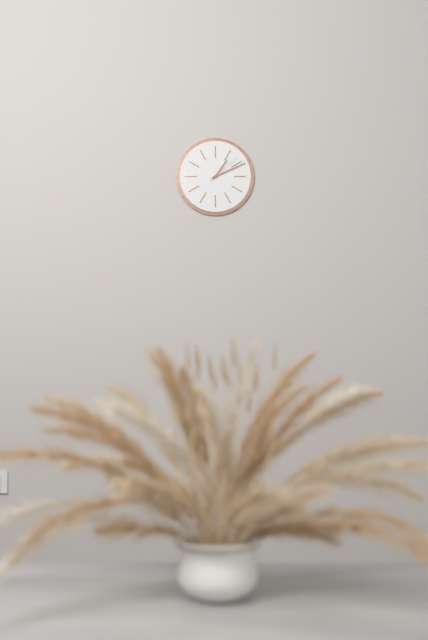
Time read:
**1:11**
